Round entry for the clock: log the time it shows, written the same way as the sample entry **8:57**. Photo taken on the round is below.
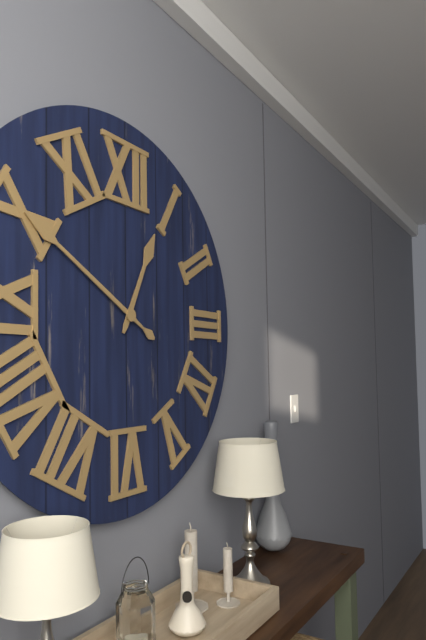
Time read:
**12:50**
